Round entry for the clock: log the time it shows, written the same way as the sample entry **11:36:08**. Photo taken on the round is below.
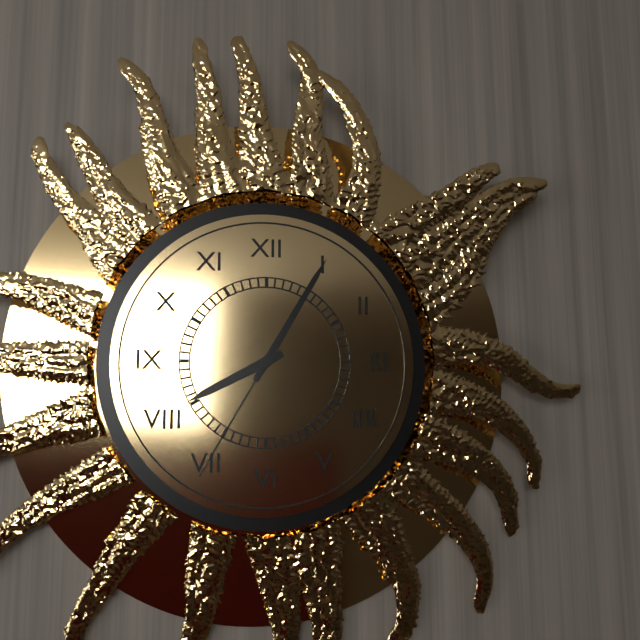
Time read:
**8:05:35**
